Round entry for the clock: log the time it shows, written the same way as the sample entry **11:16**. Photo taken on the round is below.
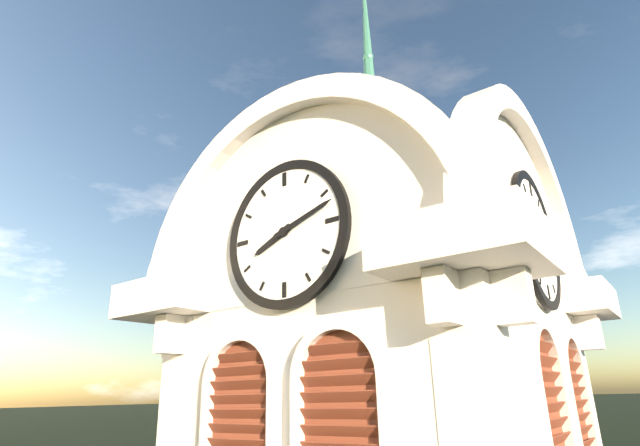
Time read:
**8:12**
